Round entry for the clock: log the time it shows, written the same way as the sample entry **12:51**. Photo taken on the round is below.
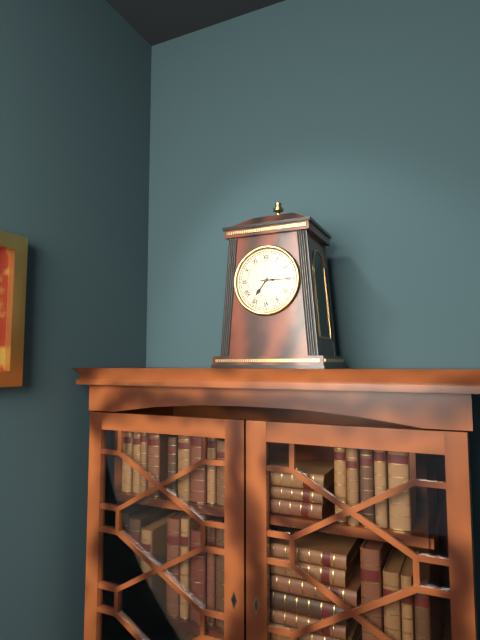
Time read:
**7:15**
